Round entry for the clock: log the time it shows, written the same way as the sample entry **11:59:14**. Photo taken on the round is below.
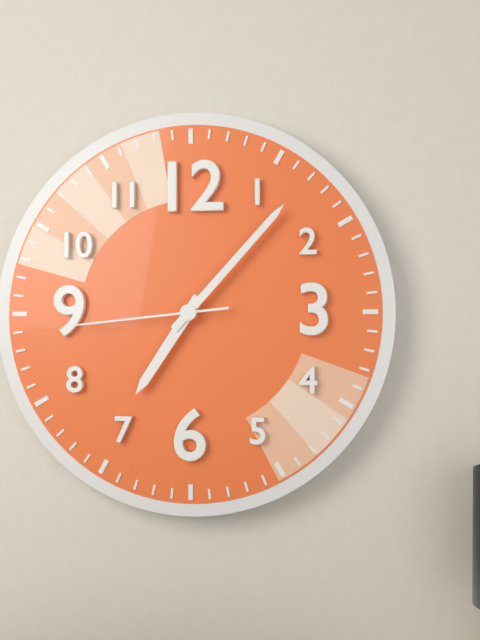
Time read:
**7:07:44**
